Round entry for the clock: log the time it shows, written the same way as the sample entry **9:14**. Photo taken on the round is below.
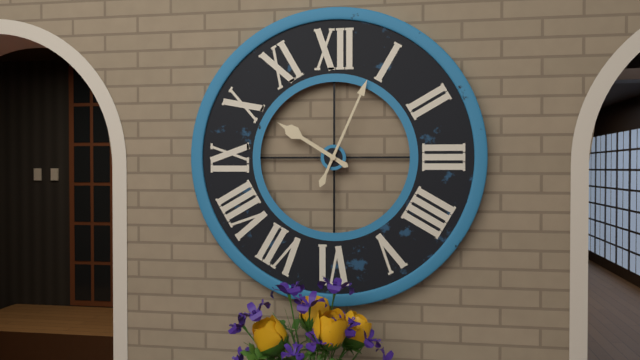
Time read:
**10:04**
